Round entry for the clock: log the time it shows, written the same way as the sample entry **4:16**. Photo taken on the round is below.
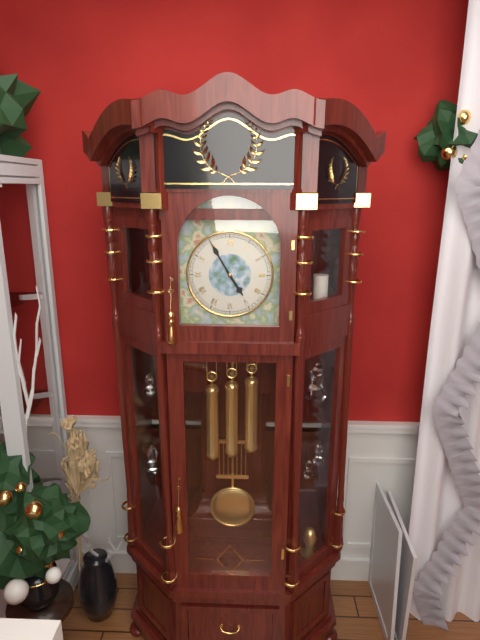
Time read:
**4:55**
